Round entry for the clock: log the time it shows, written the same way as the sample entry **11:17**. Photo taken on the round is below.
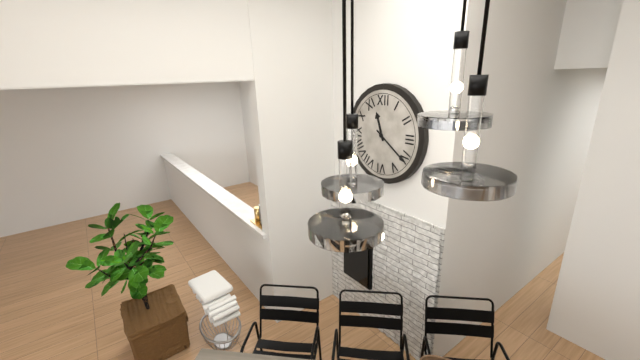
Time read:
**11:21**
